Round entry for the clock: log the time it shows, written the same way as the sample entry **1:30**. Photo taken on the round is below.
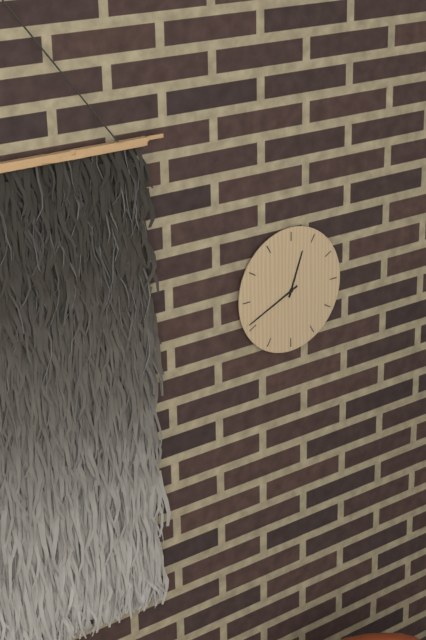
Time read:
**12:41**
